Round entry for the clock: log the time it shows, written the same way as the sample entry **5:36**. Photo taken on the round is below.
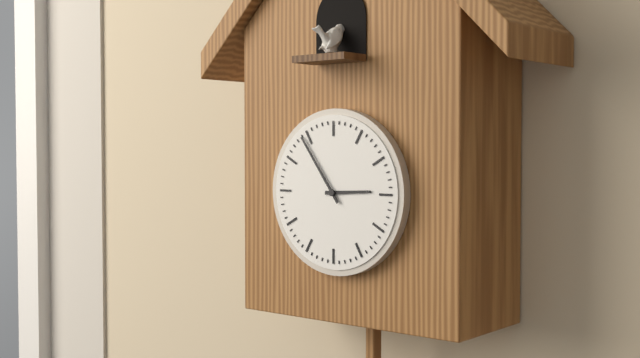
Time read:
**2:54**
